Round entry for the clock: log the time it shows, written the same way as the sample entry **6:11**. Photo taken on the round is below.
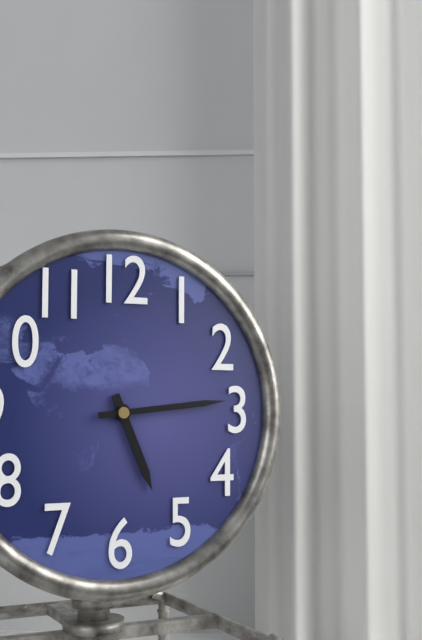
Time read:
**5:14**
